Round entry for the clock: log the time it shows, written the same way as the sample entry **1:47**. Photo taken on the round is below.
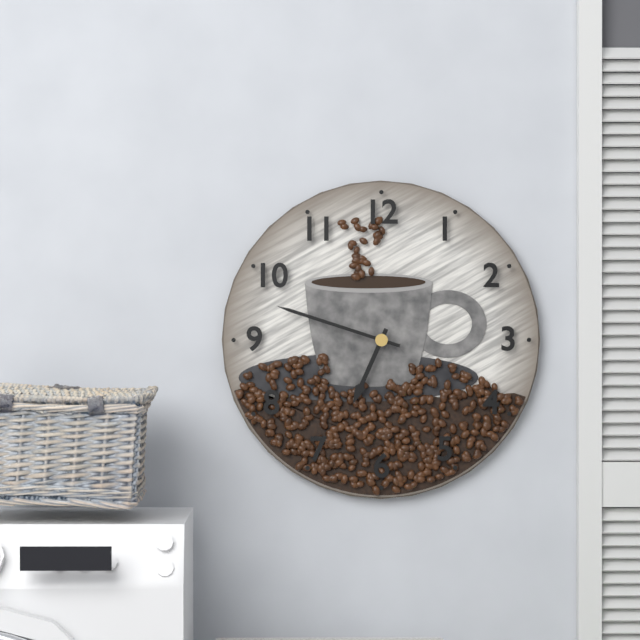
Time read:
**6:48**
